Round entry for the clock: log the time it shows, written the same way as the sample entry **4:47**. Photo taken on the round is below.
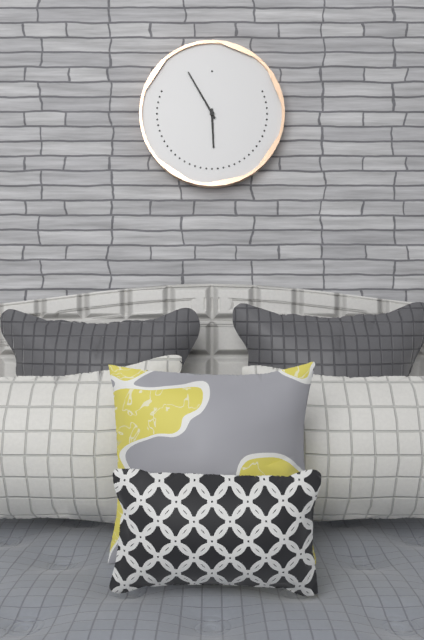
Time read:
**5:55**
